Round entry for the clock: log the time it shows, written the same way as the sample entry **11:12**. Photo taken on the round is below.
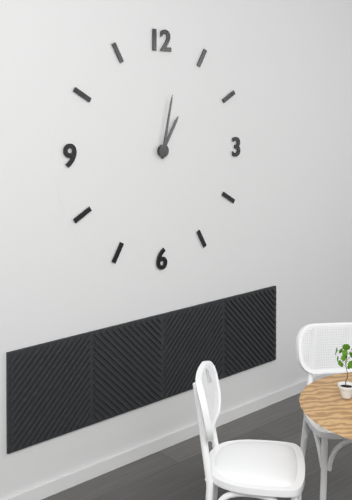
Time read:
**1:02**
